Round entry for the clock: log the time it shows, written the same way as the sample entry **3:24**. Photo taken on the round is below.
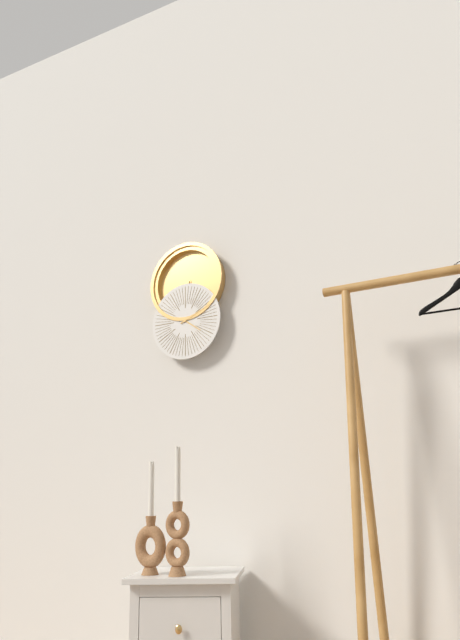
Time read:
**4:11**
